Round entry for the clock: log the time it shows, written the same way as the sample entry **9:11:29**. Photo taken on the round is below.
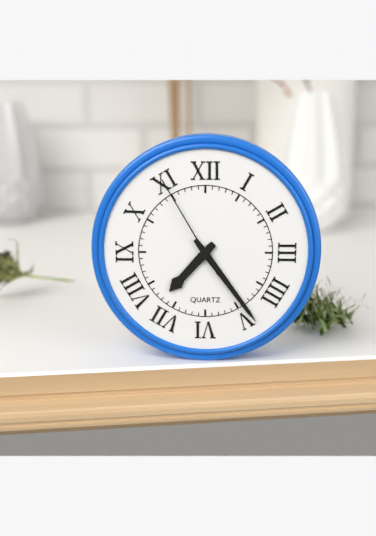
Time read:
**7:24:55**
